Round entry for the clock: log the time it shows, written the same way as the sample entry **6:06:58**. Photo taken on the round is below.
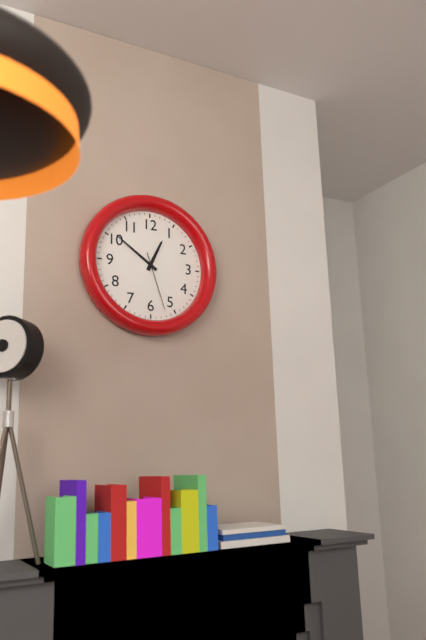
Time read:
**12:51:27**
